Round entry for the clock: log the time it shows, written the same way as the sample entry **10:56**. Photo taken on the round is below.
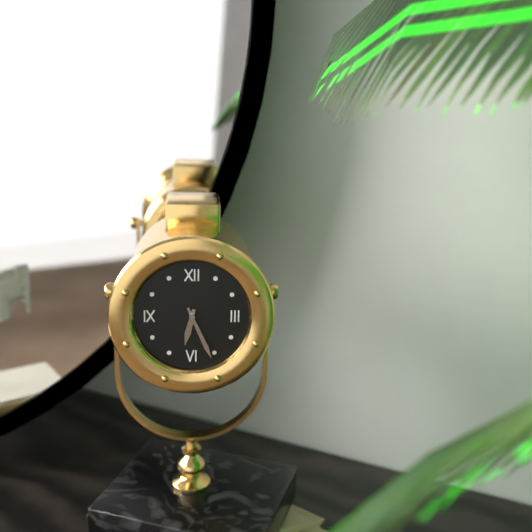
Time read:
**6:26**
